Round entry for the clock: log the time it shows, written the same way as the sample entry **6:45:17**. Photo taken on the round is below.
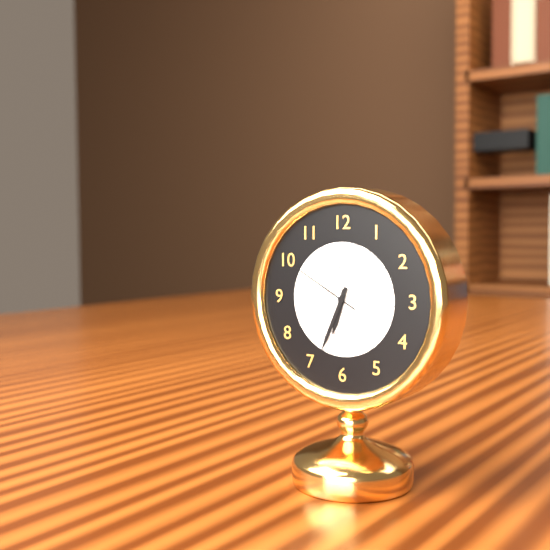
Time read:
**6:34:50**
